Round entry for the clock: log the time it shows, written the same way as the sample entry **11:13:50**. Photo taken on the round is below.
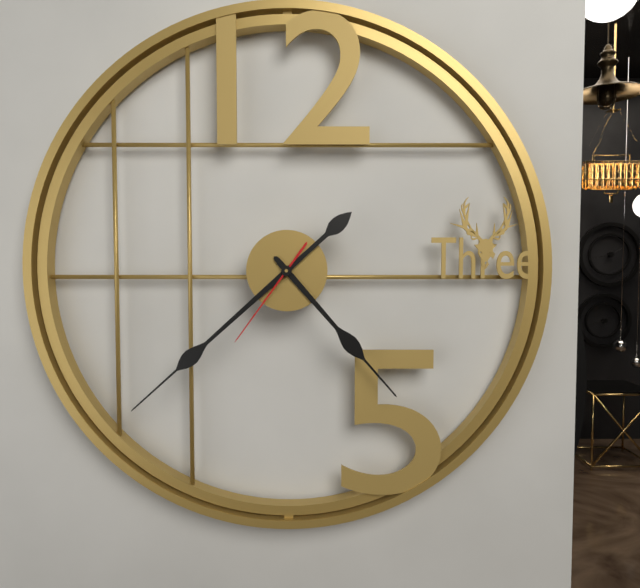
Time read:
**4:38:36**
